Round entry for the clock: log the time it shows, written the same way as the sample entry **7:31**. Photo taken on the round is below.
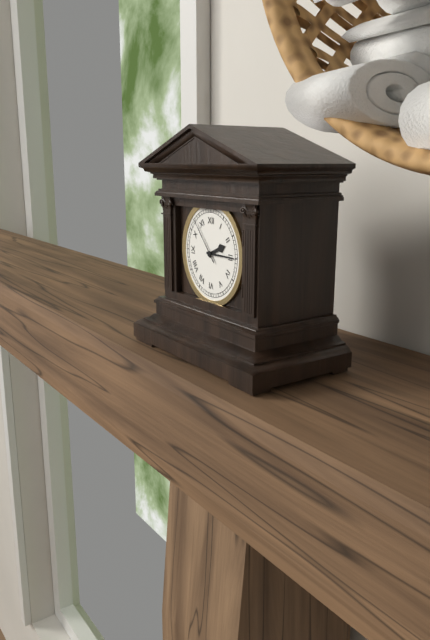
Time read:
**2:15**
